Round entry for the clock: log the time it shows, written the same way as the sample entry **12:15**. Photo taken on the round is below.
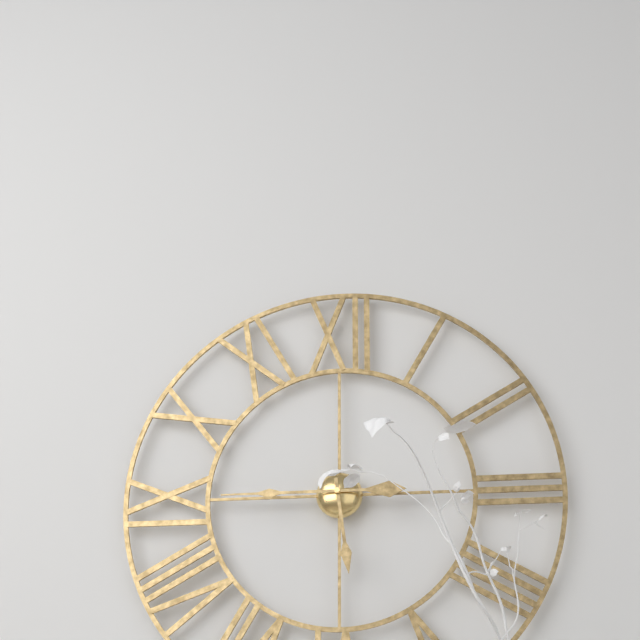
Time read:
**5:45**
